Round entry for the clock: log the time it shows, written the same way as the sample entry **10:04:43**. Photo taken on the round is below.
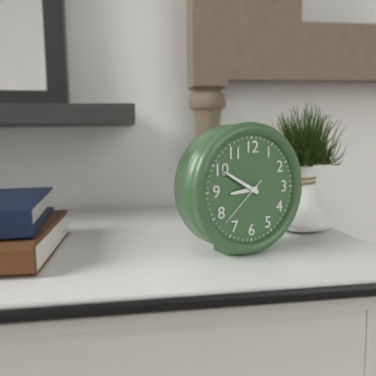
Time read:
**8:50:38**
